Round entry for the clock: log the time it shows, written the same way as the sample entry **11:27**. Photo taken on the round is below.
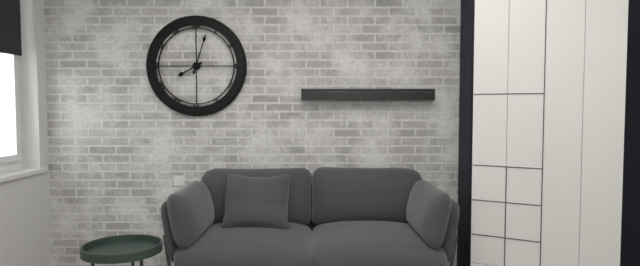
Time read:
**8:03**
